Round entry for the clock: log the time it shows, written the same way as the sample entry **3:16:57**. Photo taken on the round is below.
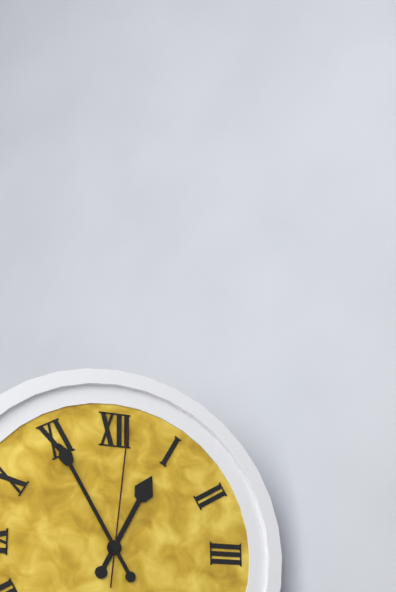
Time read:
**12:55:01**
